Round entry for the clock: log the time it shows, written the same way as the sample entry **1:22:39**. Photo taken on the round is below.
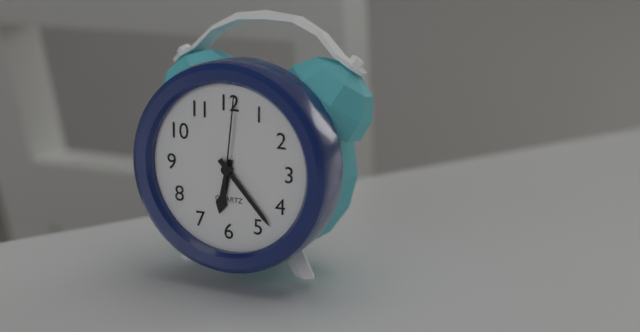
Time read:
**6:23:01**
